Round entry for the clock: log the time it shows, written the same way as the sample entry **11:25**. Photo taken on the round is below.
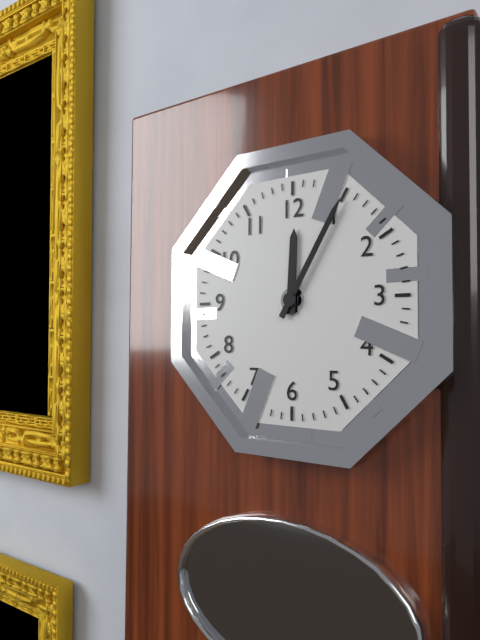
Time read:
**12:05**
